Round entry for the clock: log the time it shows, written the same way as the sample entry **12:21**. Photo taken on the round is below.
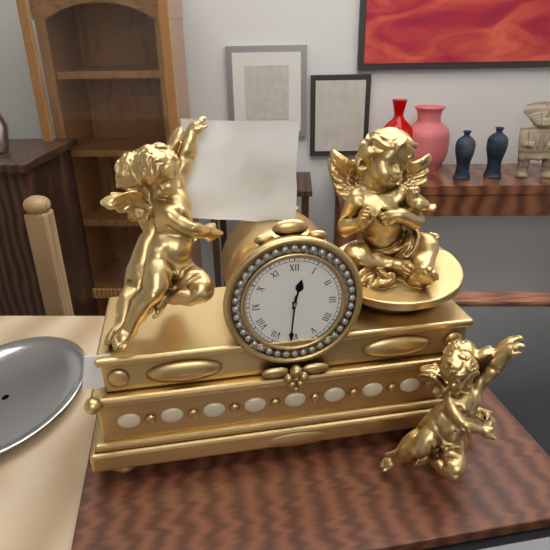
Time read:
**12:31**
